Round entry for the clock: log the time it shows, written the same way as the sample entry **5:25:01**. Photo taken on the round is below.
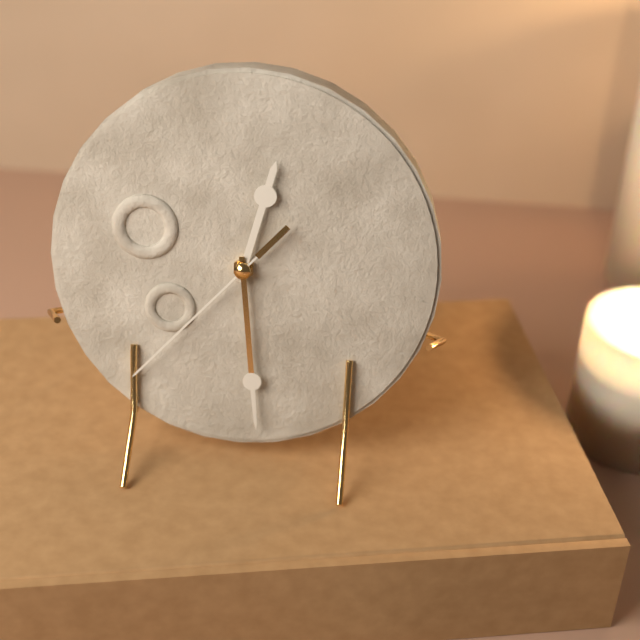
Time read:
**12:29:37**
